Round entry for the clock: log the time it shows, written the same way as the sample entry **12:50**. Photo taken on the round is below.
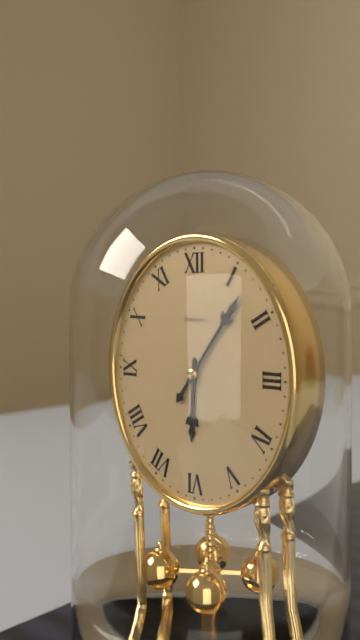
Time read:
**6:06**
